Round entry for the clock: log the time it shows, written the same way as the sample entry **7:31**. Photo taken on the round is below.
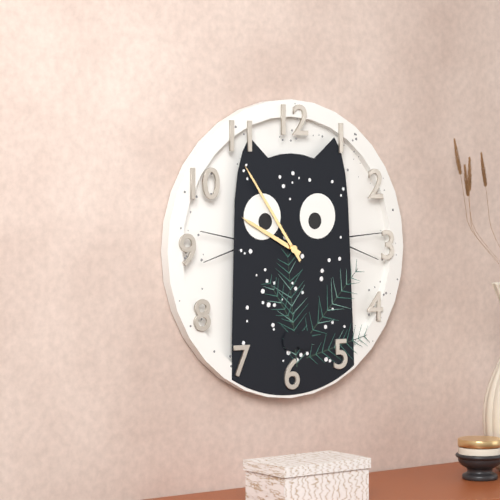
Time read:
**9:54**
